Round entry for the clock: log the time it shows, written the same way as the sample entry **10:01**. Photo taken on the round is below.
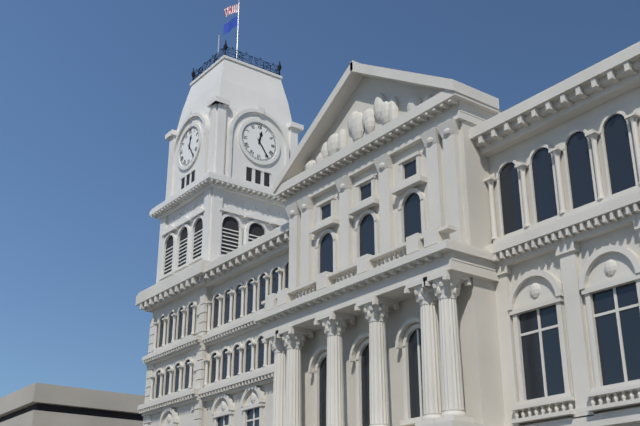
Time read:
**12:24**
